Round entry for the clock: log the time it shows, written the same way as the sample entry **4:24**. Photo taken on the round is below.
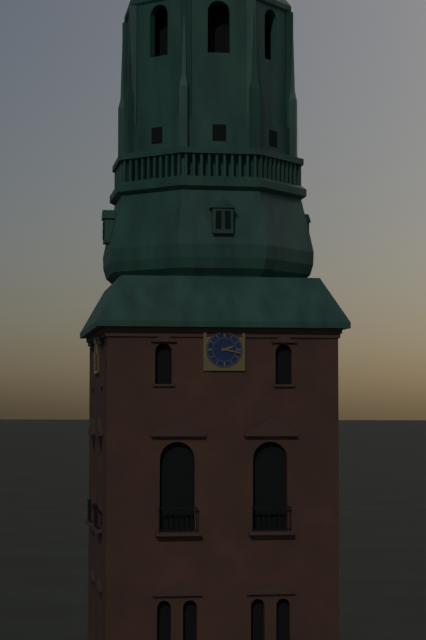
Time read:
**2:17**
